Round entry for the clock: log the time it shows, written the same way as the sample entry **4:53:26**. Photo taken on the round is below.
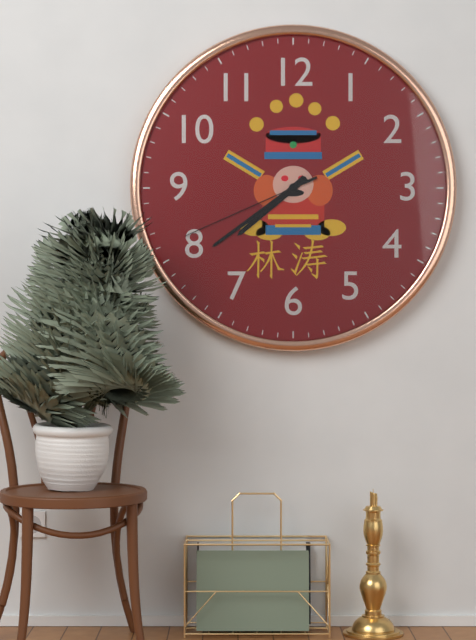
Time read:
**7:39:41**
